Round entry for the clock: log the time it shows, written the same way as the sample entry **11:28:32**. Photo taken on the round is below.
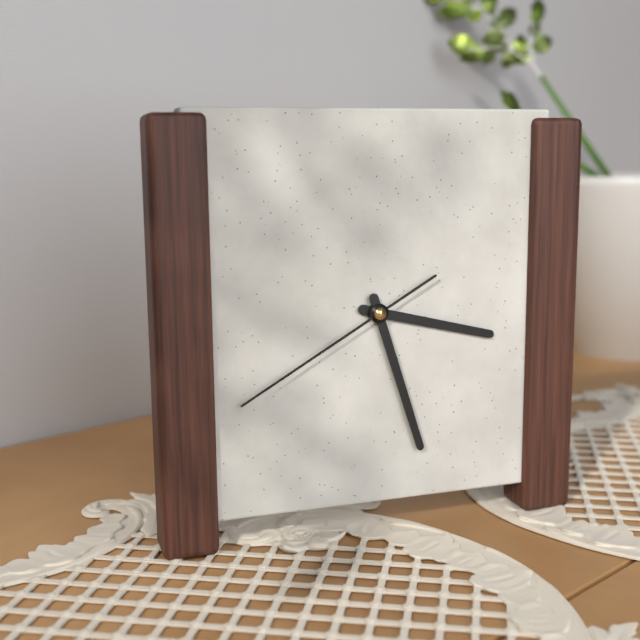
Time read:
**3:27:40**
